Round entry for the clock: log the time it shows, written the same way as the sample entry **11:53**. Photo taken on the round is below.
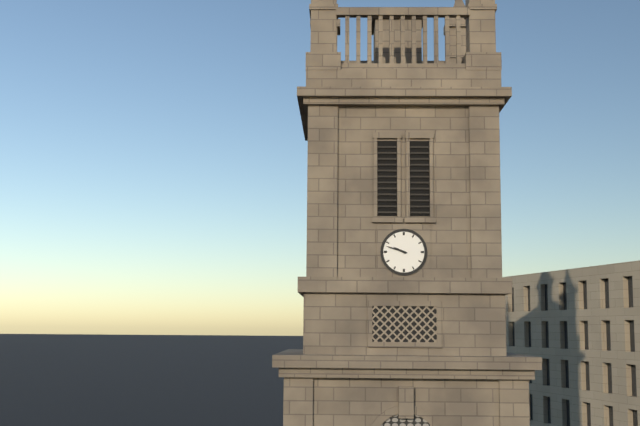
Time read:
**9:48**
